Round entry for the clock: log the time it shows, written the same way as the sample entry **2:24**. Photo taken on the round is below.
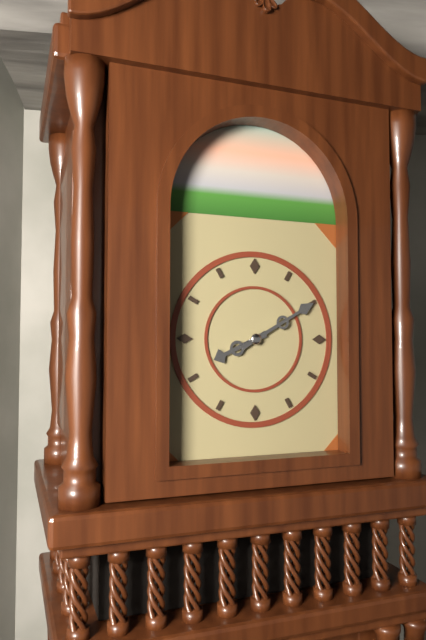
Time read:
**8:10**
